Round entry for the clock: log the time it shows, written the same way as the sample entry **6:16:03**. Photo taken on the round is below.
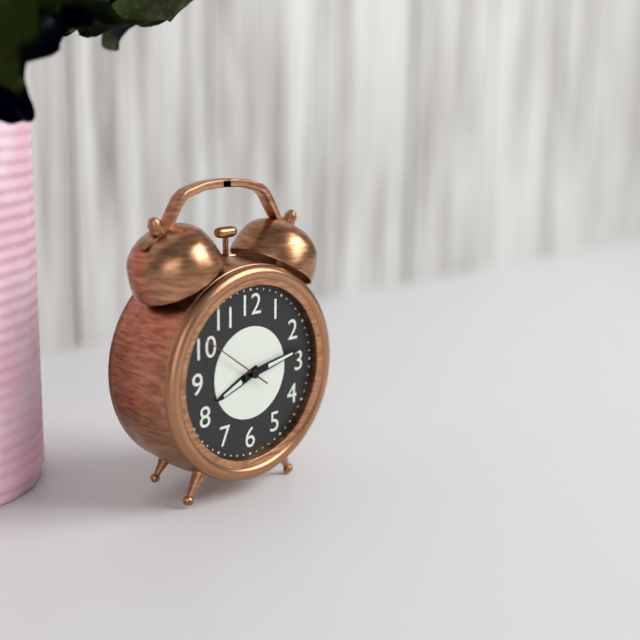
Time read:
**8:13:51**
